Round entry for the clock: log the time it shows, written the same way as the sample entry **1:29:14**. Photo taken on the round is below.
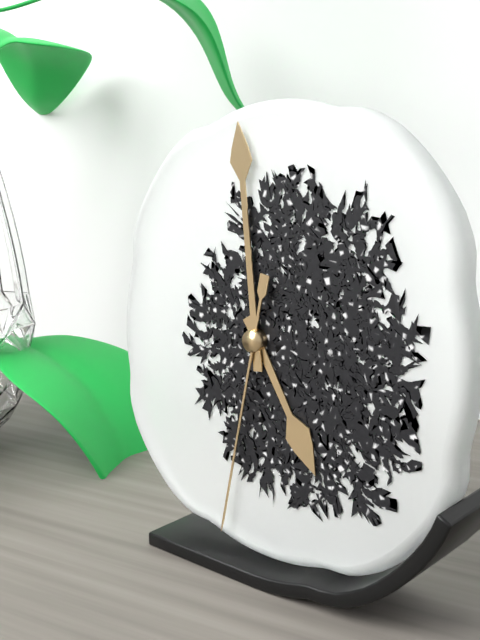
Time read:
**4:59:32**
